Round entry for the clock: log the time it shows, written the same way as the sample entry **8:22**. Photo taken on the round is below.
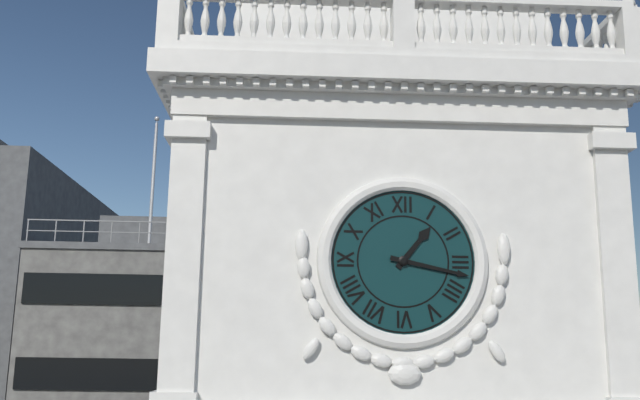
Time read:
**1:17**
